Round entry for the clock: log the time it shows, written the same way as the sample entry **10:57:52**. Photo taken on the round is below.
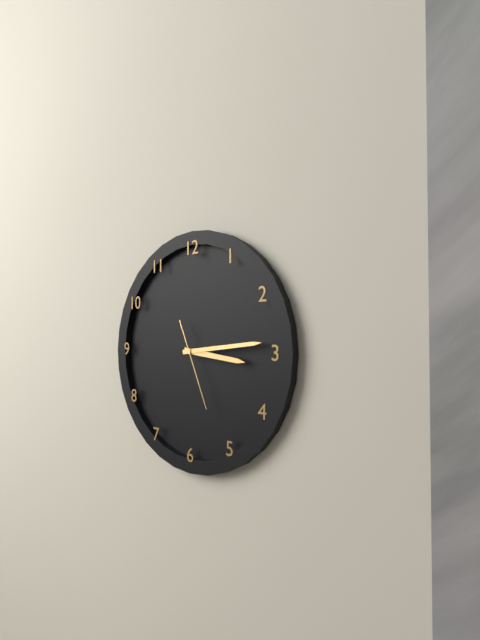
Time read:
**3:14:26**
